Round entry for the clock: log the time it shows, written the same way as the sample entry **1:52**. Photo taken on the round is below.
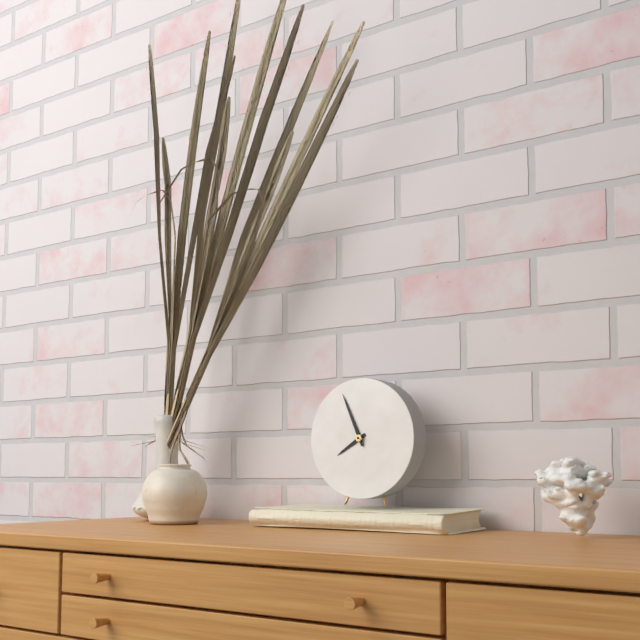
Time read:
**7:56**
